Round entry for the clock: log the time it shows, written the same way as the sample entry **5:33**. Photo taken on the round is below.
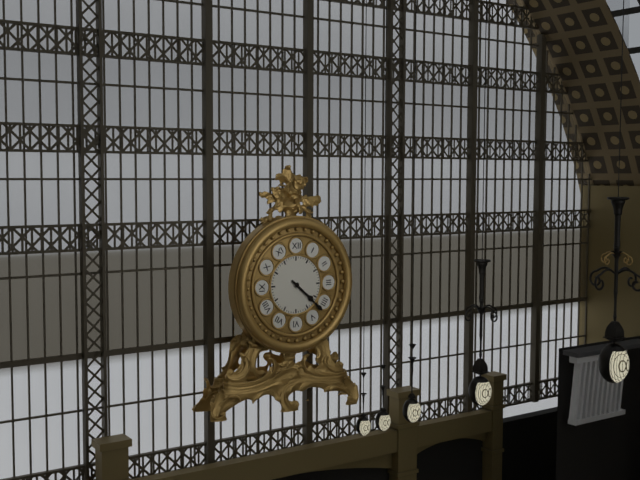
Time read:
**4:22**
